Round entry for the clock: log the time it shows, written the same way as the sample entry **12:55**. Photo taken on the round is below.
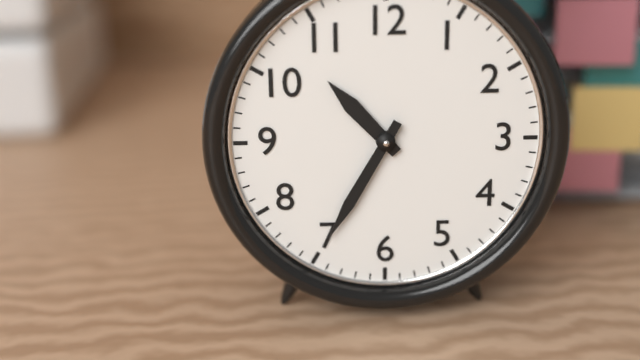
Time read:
**10:35**
